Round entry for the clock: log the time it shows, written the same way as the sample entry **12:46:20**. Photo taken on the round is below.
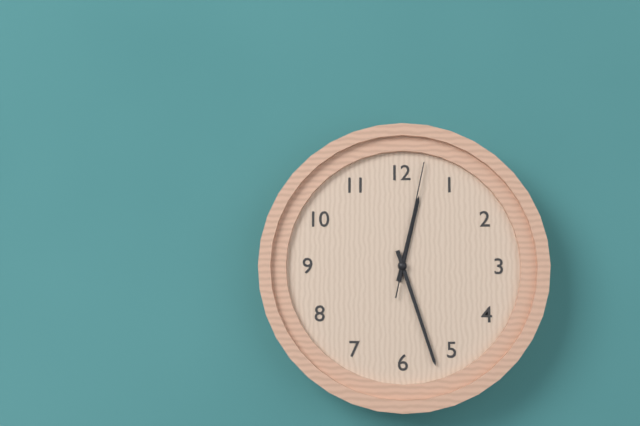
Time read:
**12:27:02**
